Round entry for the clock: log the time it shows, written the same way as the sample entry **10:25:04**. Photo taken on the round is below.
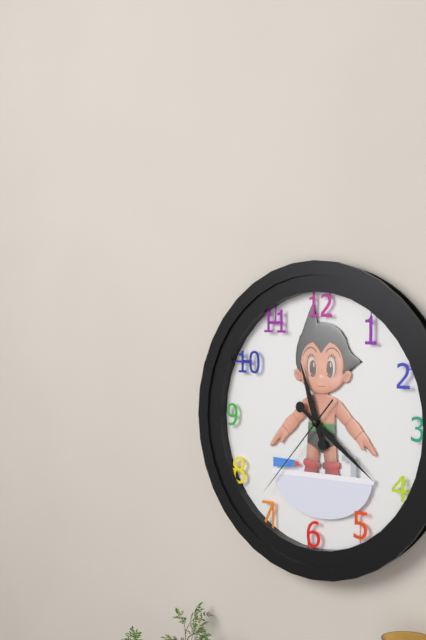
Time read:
**11:21:37**
